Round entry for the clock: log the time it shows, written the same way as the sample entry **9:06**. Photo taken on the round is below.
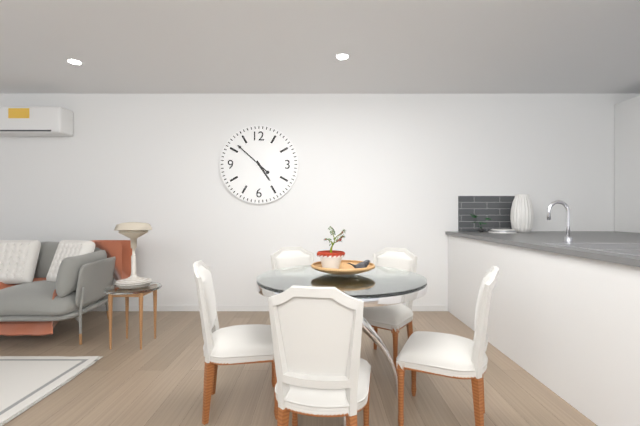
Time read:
**4:52**
